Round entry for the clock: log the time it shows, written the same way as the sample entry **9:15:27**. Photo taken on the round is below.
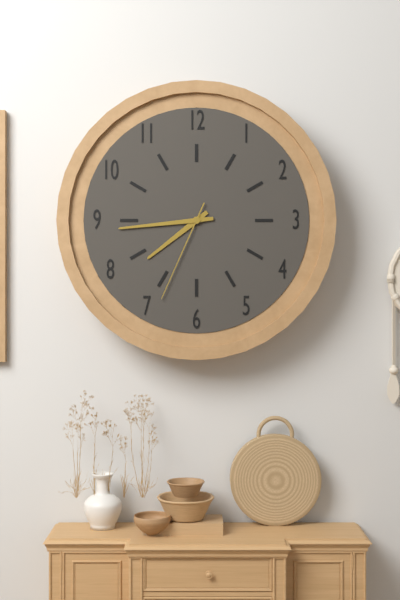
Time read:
**7:44:34**
